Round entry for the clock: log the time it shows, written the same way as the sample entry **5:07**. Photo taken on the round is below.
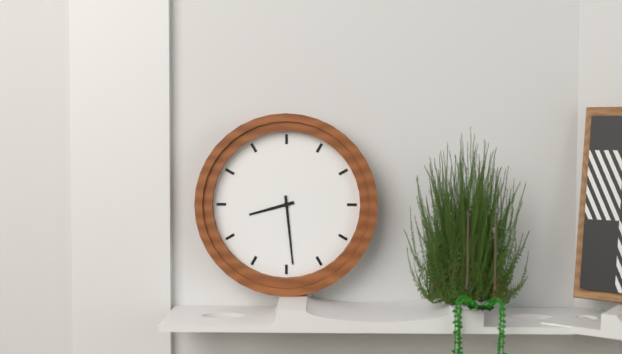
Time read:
**8:29**
